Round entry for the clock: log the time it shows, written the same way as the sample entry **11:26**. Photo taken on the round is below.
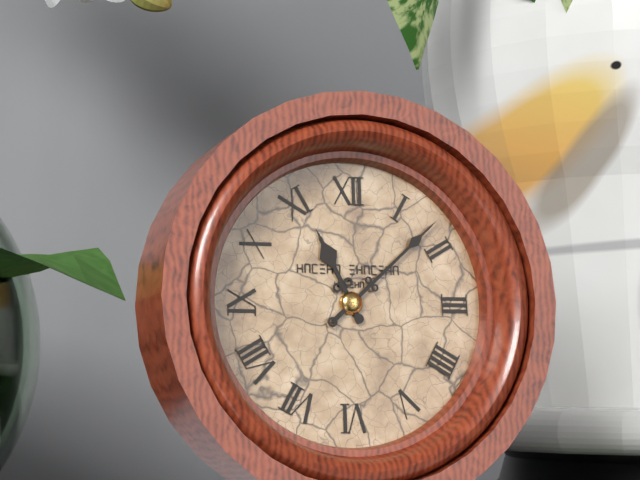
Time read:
**11:08**
